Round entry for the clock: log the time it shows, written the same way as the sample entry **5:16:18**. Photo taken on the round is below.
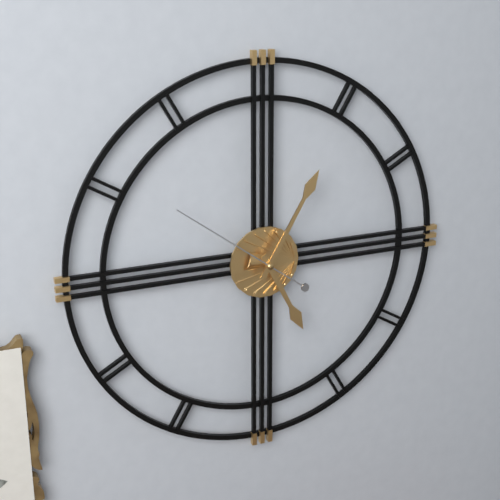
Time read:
**5:05:51**
